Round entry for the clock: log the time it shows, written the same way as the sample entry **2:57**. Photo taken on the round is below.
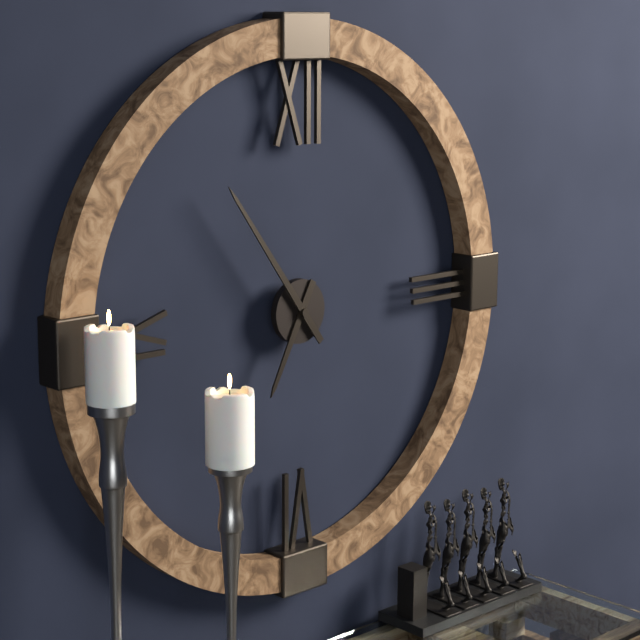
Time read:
**6:54**
